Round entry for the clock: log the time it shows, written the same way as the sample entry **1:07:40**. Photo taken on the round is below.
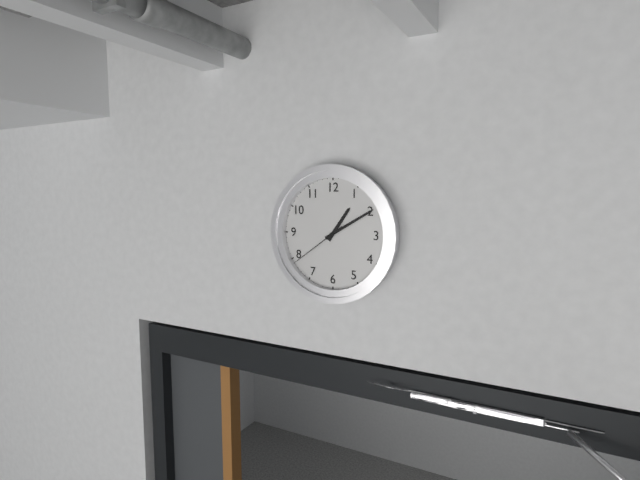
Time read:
**1:10:39**
